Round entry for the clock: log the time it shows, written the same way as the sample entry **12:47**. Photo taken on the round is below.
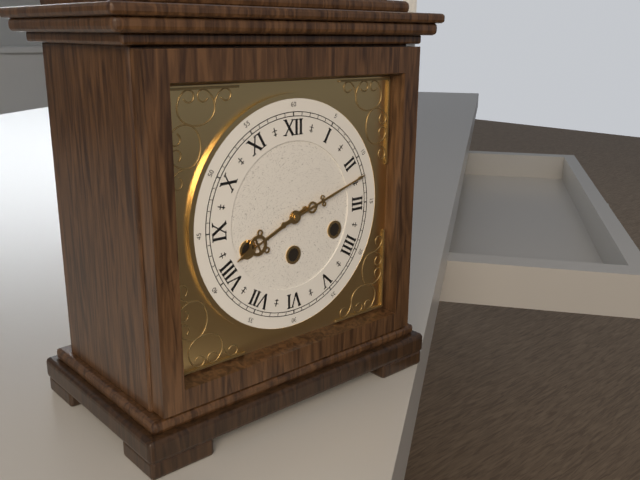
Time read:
**8:12**
